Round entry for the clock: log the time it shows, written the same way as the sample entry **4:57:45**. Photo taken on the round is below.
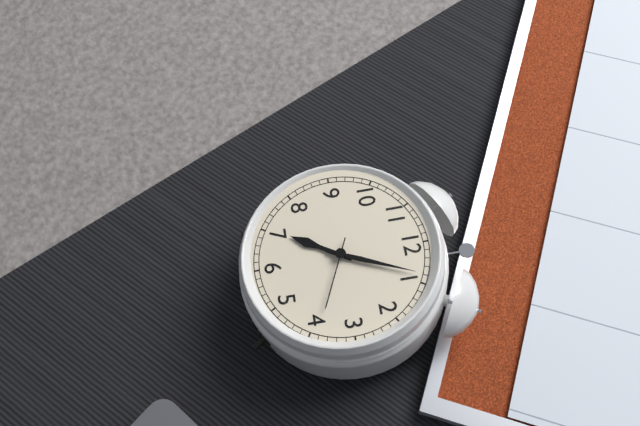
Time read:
**7:04:19**
